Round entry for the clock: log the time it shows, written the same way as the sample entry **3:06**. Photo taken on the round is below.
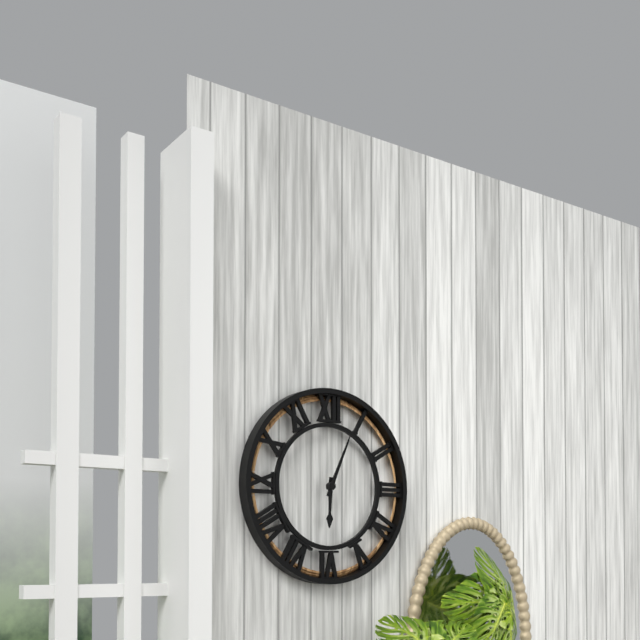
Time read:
**6:04**
